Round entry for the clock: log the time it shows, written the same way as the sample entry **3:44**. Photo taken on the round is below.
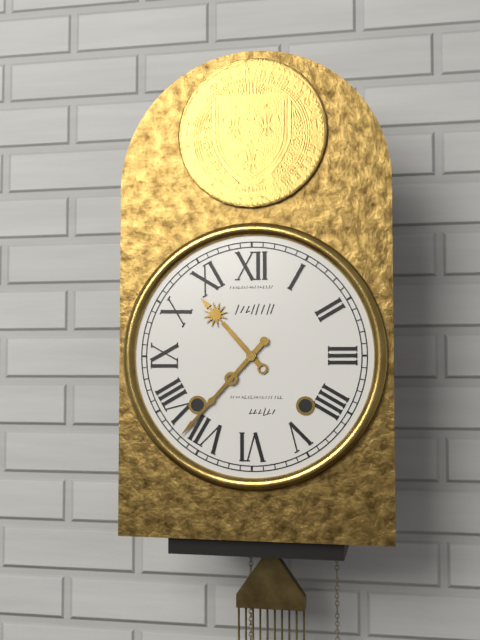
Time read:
**10:37**
